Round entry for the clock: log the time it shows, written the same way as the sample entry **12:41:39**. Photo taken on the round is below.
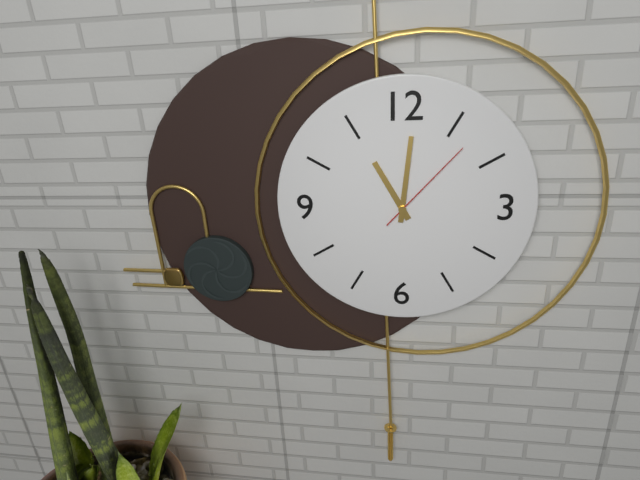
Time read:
**11:01:07**
